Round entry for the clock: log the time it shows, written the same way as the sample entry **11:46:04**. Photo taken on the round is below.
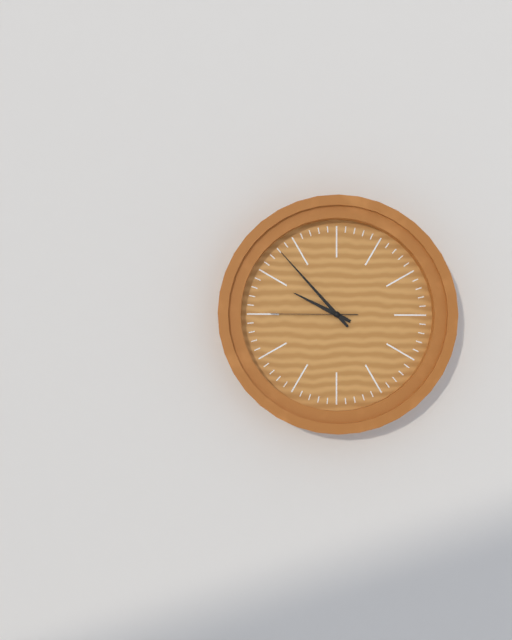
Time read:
**9:53:45**
